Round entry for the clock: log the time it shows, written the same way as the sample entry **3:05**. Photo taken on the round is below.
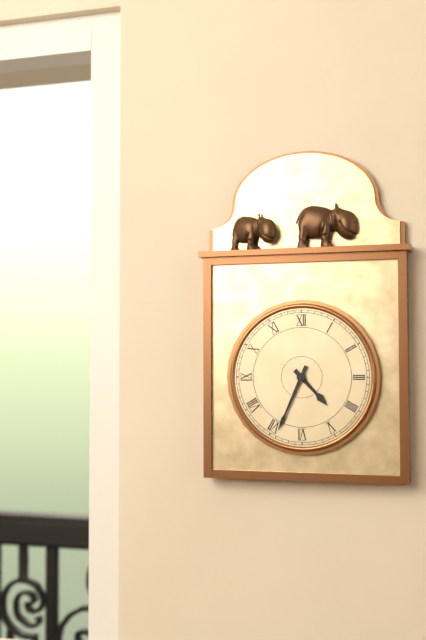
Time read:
**4:34**
